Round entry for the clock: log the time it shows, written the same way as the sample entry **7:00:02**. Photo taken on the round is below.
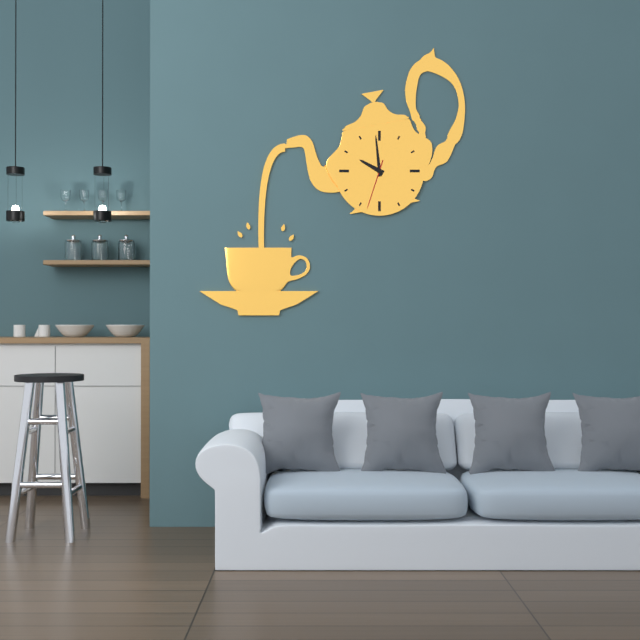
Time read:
**9:59:33**
